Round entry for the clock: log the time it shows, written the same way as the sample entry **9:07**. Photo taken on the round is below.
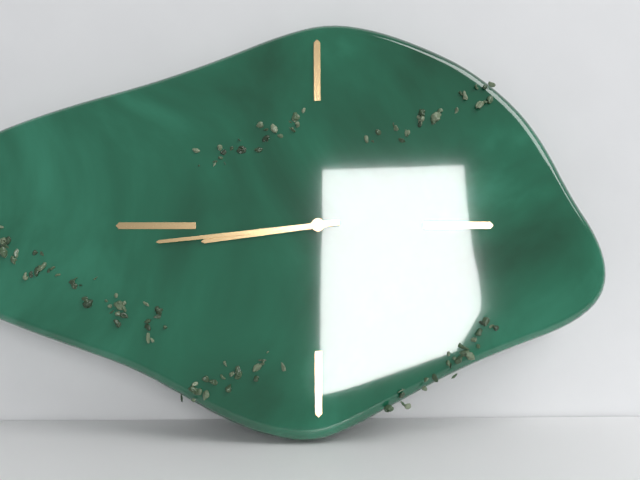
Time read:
**8:44**
